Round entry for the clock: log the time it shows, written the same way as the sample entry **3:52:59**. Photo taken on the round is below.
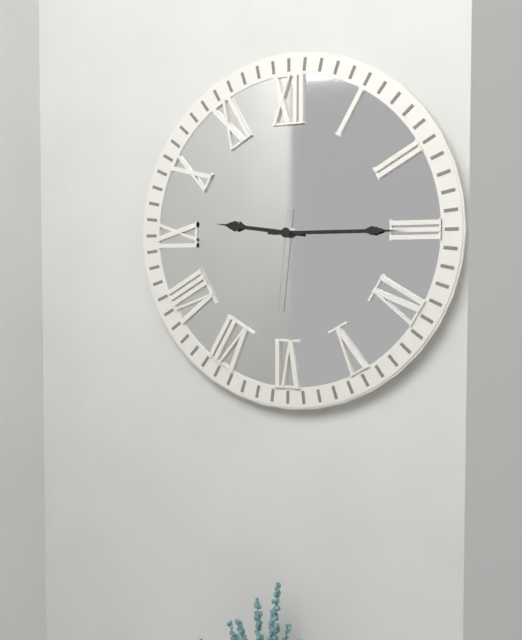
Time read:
**9:15:31**
